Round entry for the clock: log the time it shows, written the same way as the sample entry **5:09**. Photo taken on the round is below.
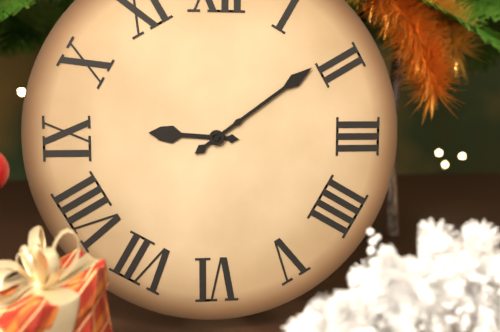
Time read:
**9:09**
